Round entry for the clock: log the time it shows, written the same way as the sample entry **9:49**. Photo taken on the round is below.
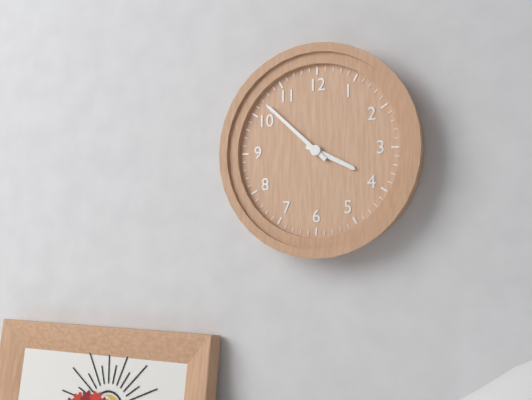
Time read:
**3:52**
